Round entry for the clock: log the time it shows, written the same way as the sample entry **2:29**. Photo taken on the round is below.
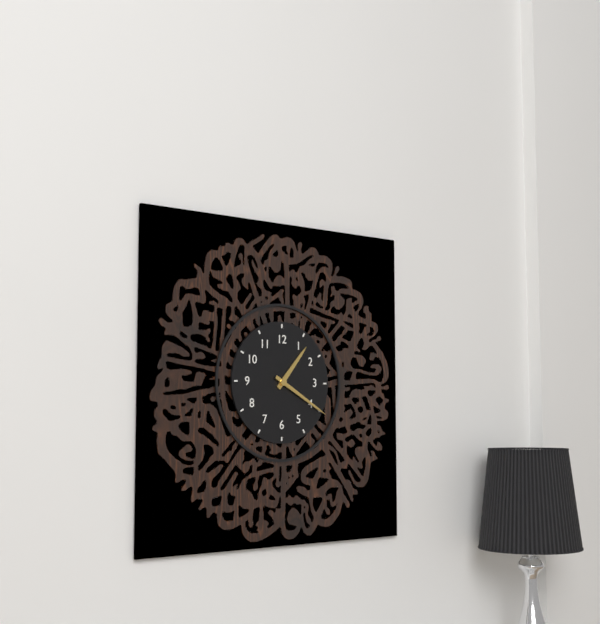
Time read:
**1:20**
